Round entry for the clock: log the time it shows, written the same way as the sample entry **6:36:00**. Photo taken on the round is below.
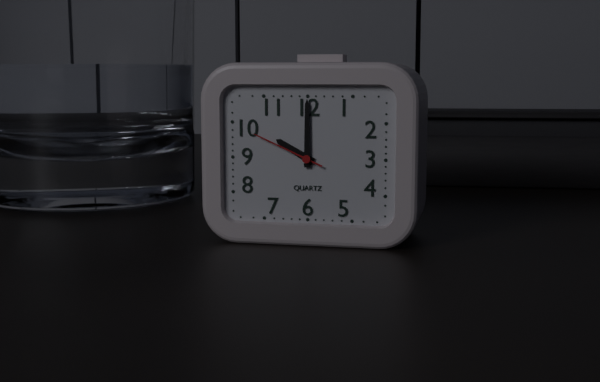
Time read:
**10:00:49**
